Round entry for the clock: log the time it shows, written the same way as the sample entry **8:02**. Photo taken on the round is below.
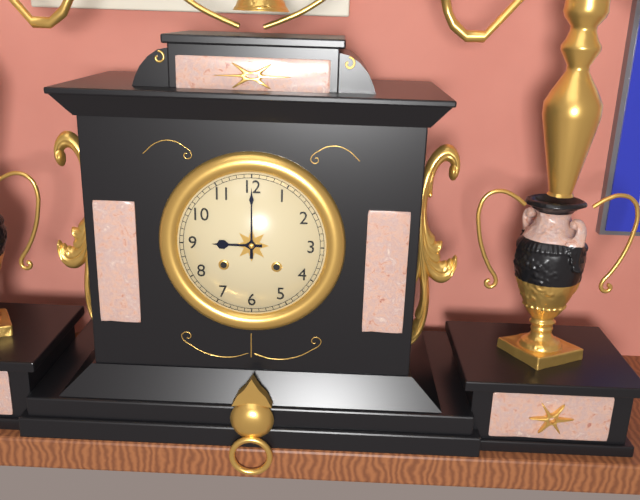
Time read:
**9:00**
